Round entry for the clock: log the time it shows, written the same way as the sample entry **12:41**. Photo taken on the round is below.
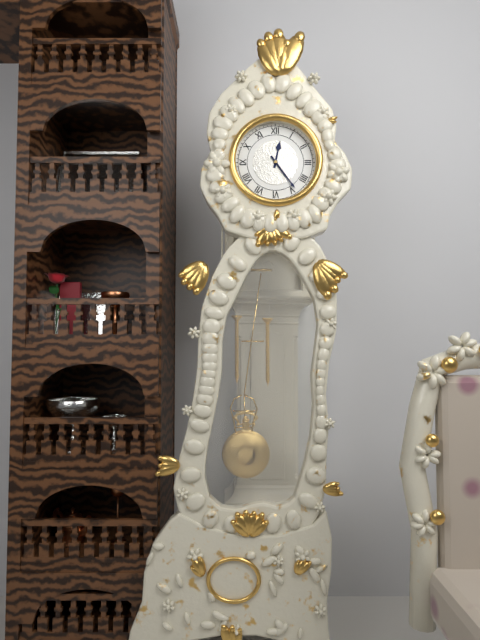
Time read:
**12:24**
